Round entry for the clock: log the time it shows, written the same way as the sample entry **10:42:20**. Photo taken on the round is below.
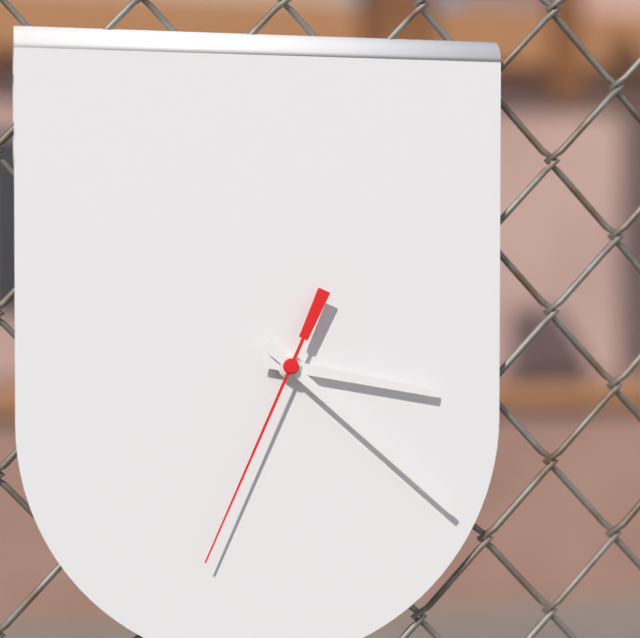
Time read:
**3:22:34**
